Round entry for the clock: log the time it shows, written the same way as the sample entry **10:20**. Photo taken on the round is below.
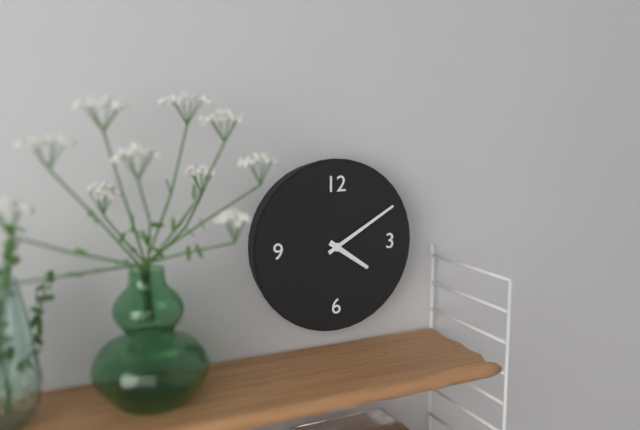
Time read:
**4:10**
